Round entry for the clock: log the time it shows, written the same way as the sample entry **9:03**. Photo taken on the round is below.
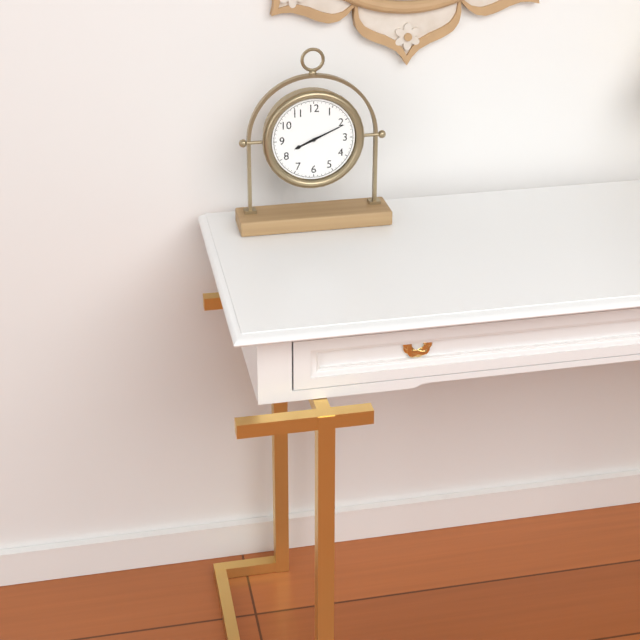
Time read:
**8:11**
